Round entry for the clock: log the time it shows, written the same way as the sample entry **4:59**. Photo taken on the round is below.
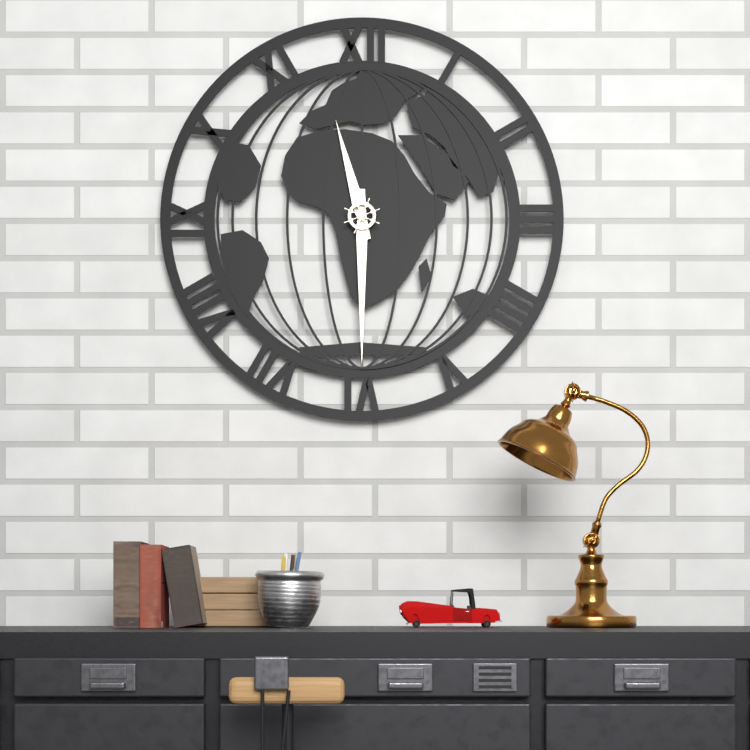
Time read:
**11:30**
